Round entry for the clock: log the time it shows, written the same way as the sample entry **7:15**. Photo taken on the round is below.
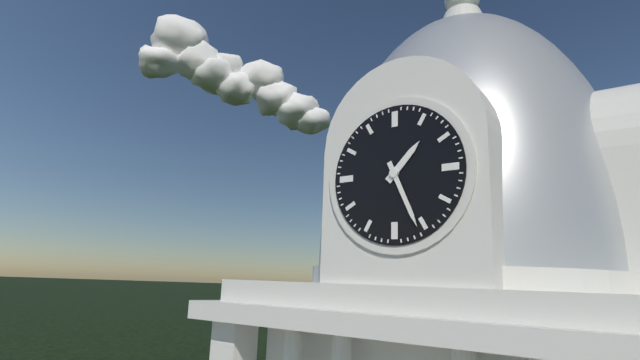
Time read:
**1:26**
